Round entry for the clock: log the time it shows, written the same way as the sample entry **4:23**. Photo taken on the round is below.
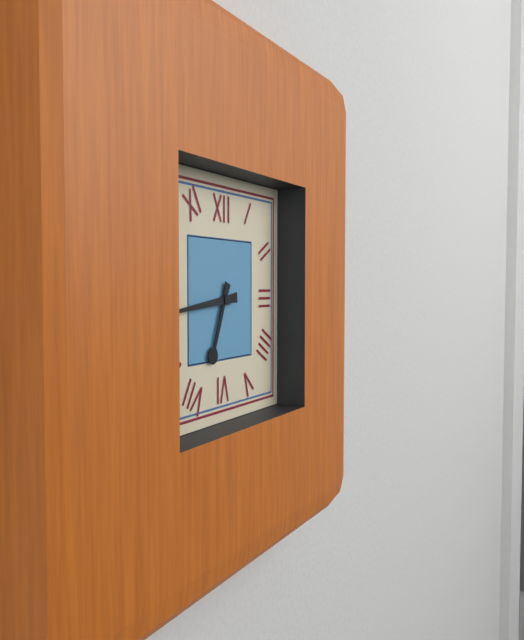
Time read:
**6:44**
